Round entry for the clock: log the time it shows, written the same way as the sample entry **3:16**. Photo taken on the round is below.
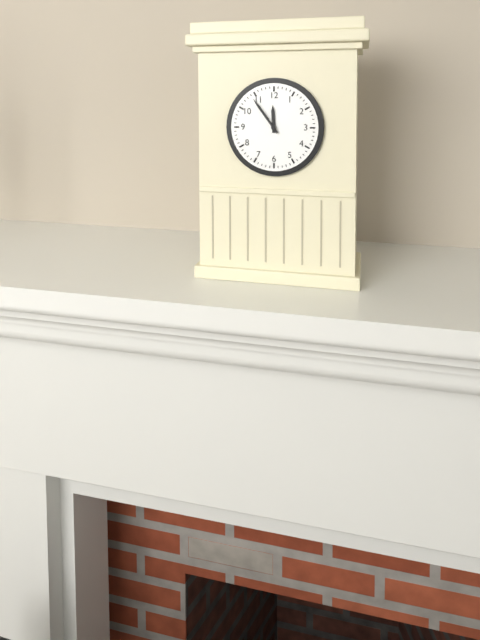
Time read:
**11:54**
